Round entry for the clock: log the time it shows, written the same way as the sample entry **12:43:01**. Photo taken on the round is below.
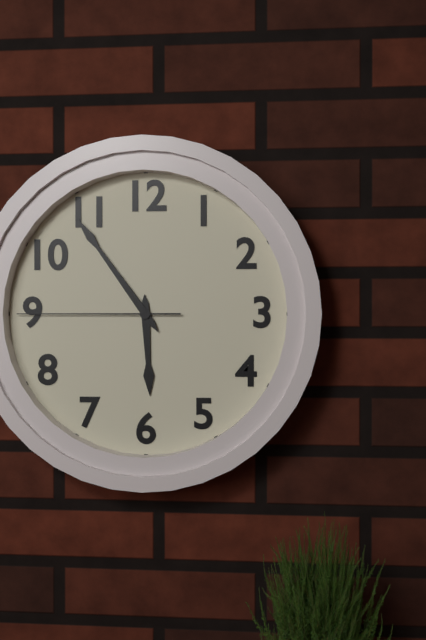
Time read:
**5:54:45**
